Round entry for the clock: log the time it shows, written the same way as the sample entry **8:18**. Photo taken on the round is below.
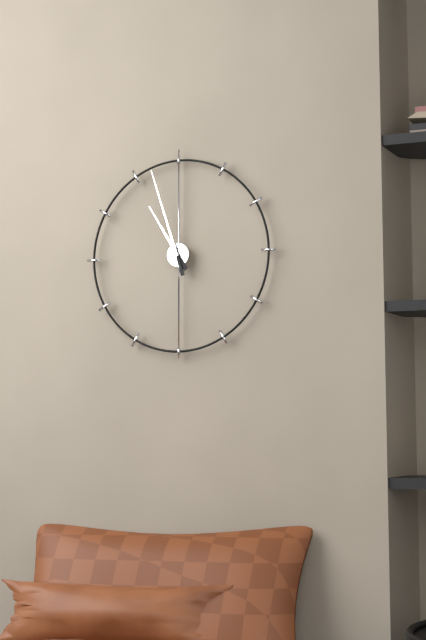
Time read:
**10:57**
